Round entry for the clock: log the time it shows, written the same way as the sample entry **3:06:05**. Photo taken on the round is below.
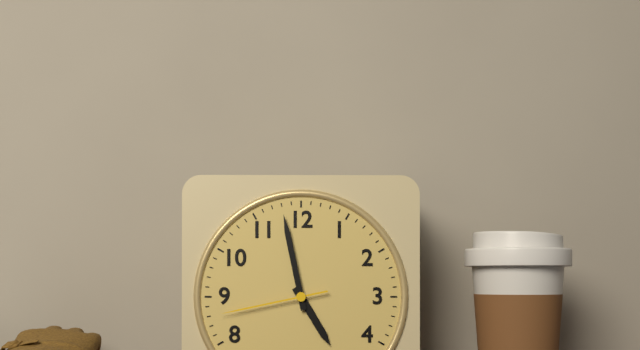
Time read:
**4:58:43**
